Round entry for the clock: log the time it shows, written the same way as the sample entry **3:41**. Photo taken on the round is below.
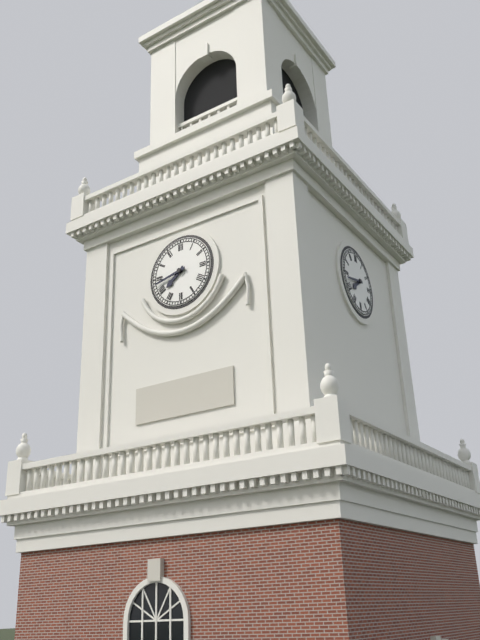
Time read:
**7:43**
